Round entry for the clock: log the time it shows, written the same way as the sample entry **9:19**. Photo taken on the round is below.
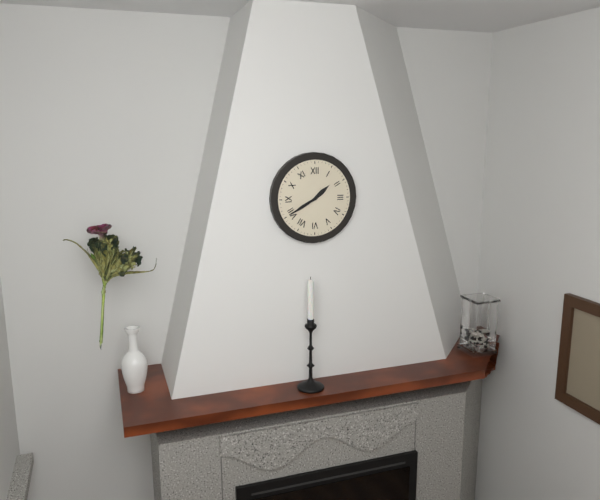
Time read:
**1:40**
